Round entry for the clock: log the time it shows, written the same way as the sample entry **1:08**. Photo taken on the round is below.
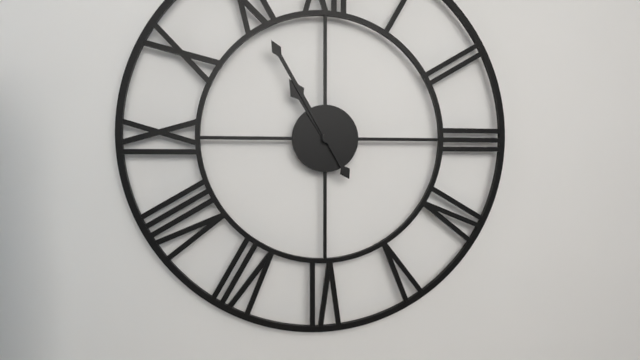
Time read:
**10:55**
